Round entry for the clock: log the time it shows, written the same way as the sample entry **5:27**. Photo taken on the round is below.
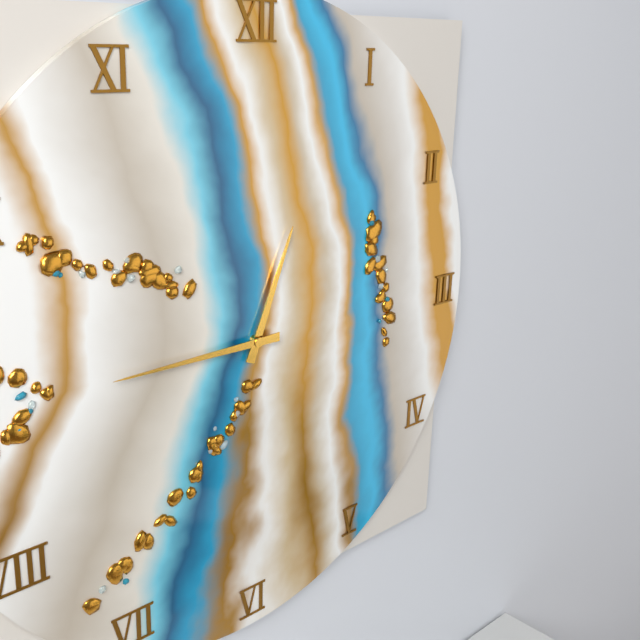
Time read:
**12:45**
